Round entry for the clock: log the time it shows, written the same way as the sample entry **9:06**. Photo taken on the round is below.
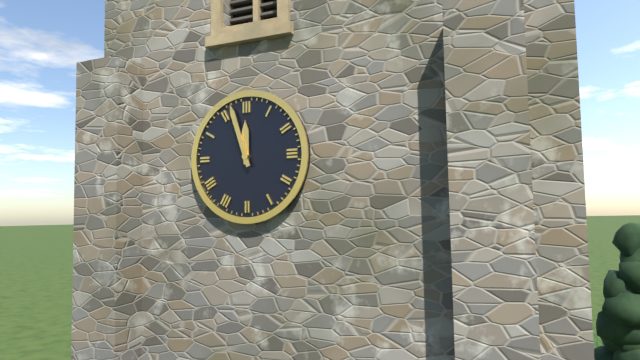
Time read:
**11:57**
